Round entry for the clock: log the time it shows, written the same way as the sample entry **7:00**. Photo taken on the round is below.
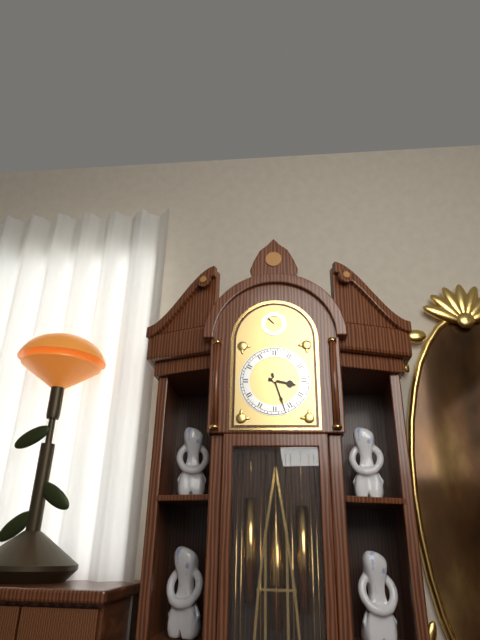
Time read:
**3:27**
